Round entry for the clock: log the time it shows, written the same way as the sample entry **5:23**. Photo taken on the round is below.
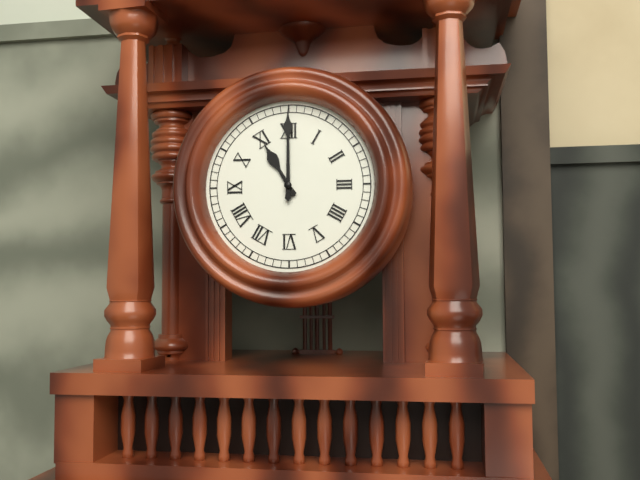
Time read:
**11:00**
